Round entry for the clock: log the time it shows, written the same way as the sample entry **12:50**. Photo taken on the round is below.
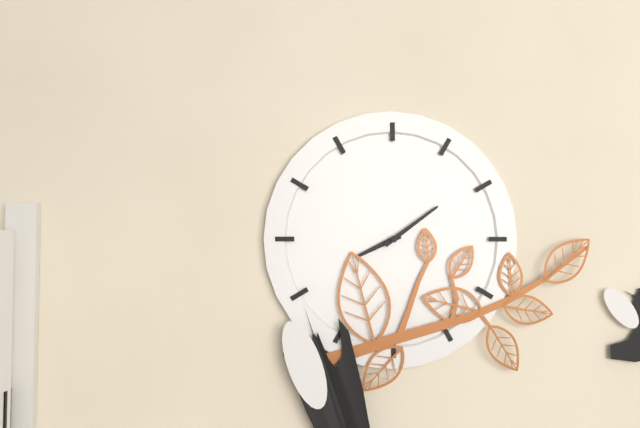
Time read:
**8:09**
